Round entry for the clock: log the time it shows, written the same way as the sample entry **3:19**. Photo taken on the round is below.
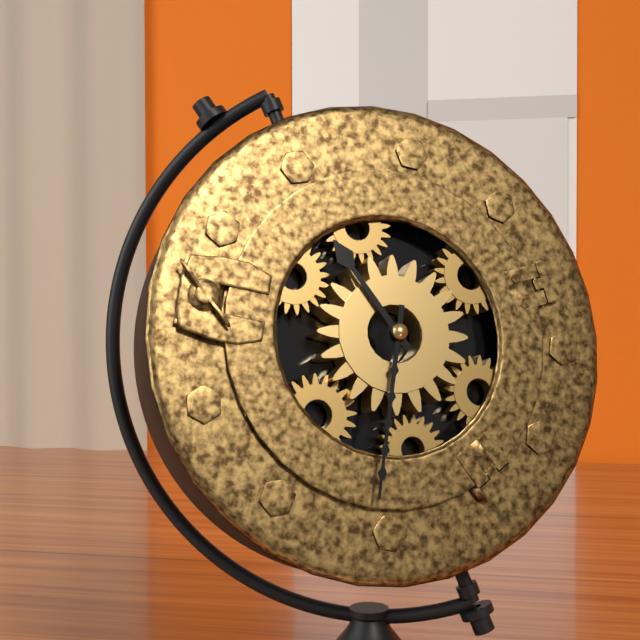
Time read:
**10:30**
